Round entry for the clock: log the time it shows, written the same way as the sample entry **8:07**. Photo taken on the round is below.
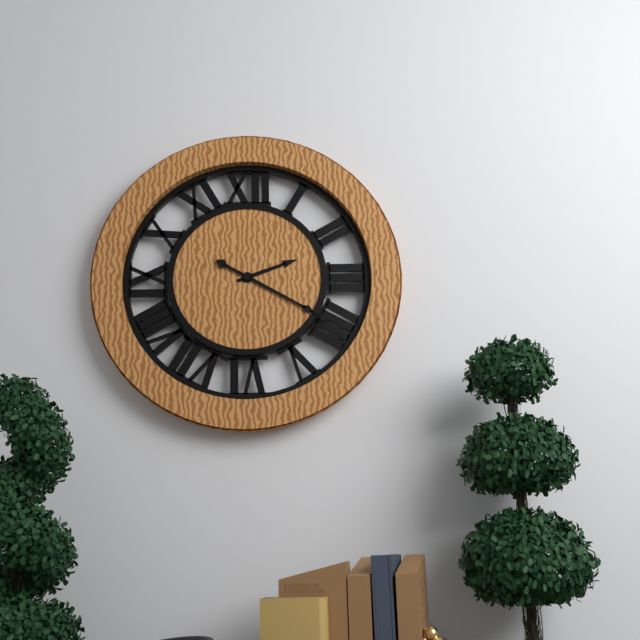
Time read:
**2:20**
